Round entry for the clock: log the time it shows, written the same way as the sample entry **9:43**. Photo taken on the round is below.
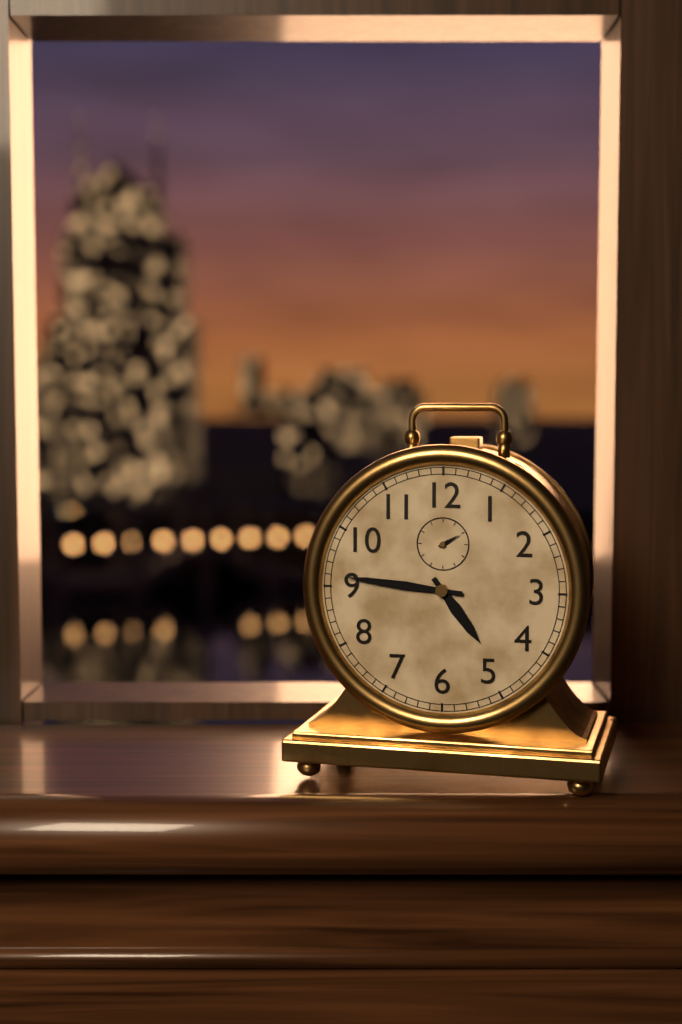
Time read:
**4:46**
